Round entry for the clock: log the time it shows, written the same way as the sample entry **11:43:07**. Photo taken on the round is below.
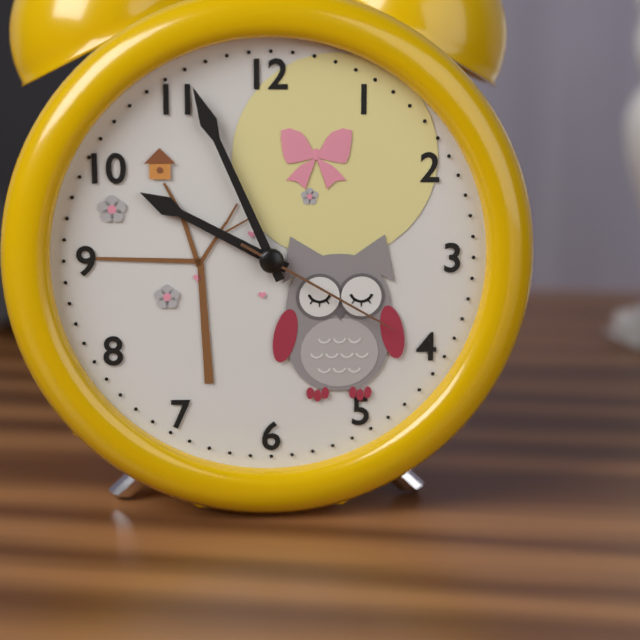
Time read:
**9:56:20**
